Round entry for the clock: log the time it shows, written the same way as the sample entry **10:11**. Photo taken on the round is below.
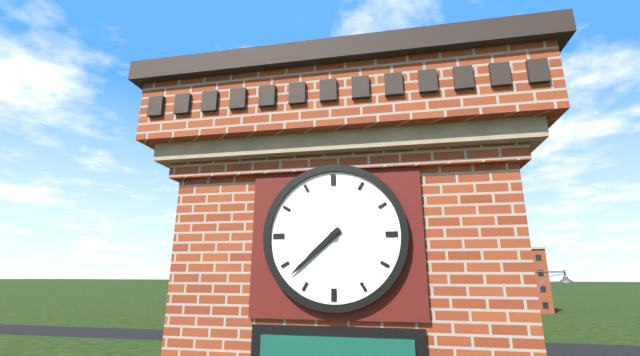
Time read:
**7:38**
